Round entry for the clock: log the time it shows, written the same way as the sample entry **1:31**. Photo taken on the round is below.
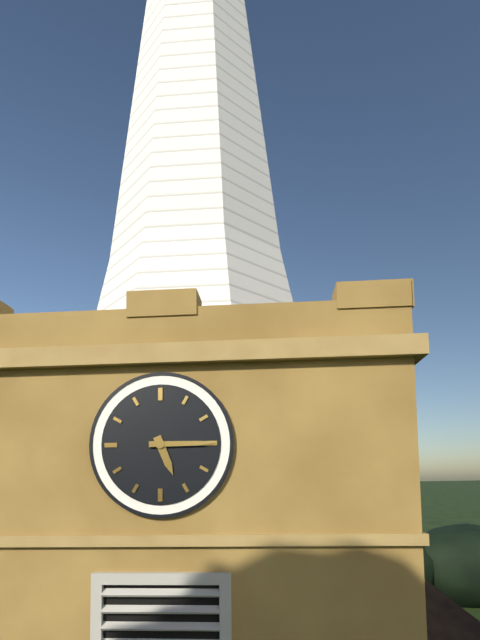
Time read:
**5:15**
